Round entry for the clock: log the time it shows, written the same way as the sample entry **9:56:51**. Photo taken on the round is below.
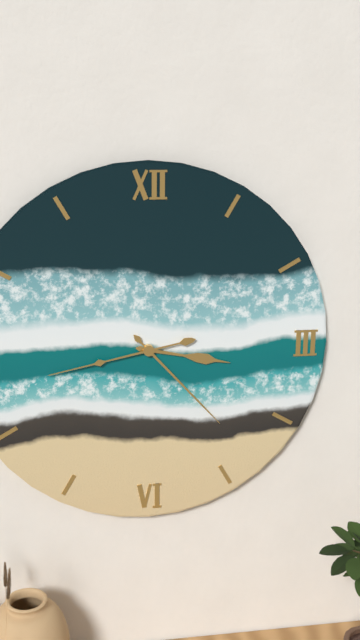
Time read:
**3:23:43**
